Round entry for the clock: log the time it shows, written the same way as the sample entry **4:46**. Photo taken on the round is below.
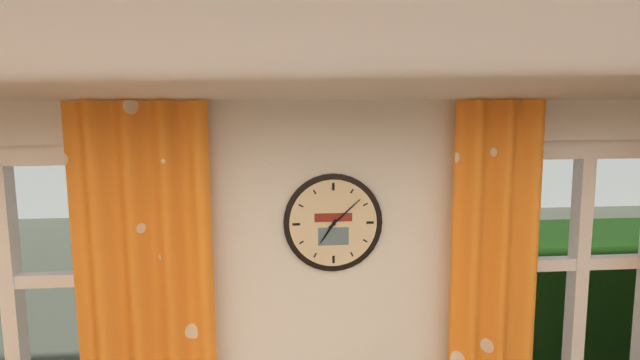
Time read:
**7:08**
